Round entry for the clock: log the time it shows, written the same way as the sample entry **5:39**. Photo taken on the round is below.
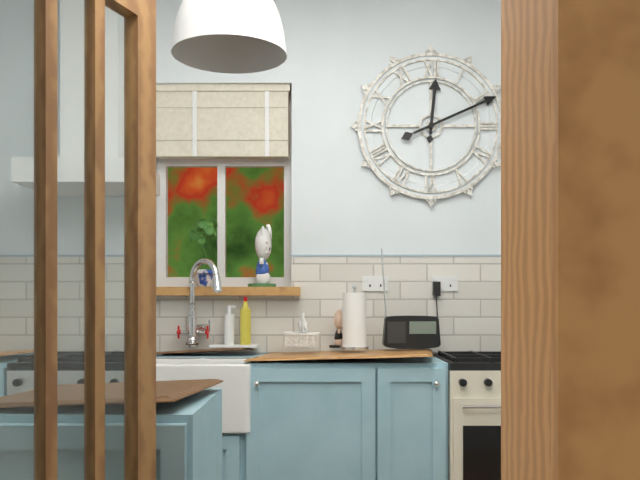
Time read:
**12:11**
